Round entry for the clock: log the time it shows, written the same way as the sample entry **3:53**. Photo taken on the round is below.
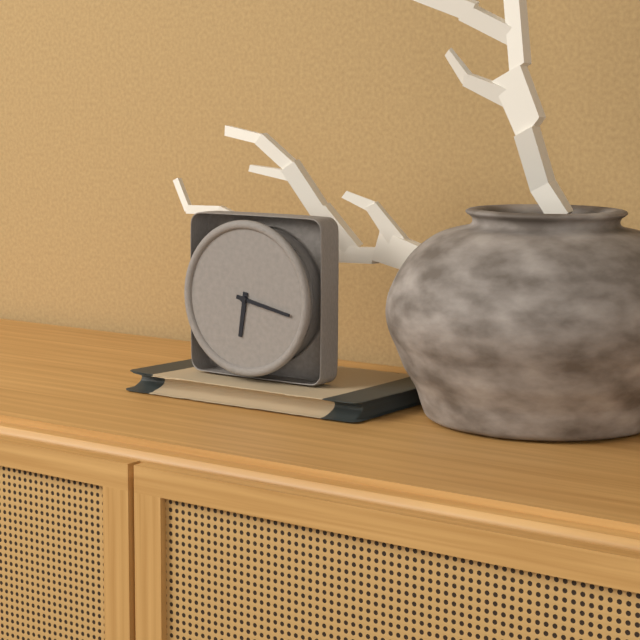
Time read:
**6:17**
